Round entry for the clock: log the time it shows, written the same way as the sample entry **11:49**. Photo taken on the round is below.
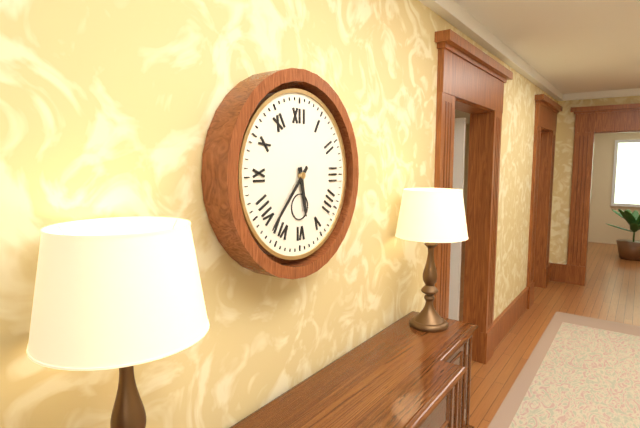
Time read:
**5:37**
